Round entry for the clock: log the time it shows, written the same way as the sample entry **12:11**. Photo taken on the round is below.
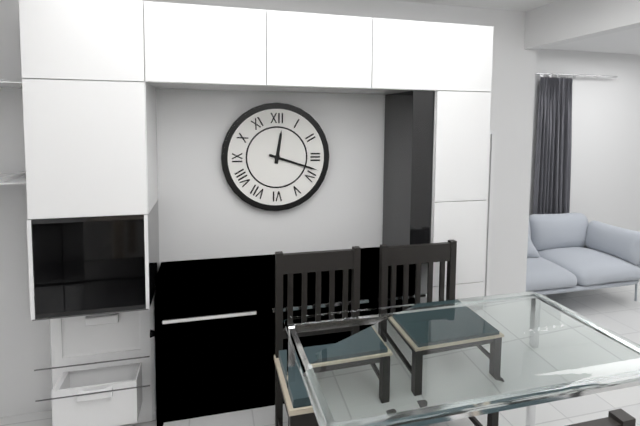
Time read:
**12:18**
